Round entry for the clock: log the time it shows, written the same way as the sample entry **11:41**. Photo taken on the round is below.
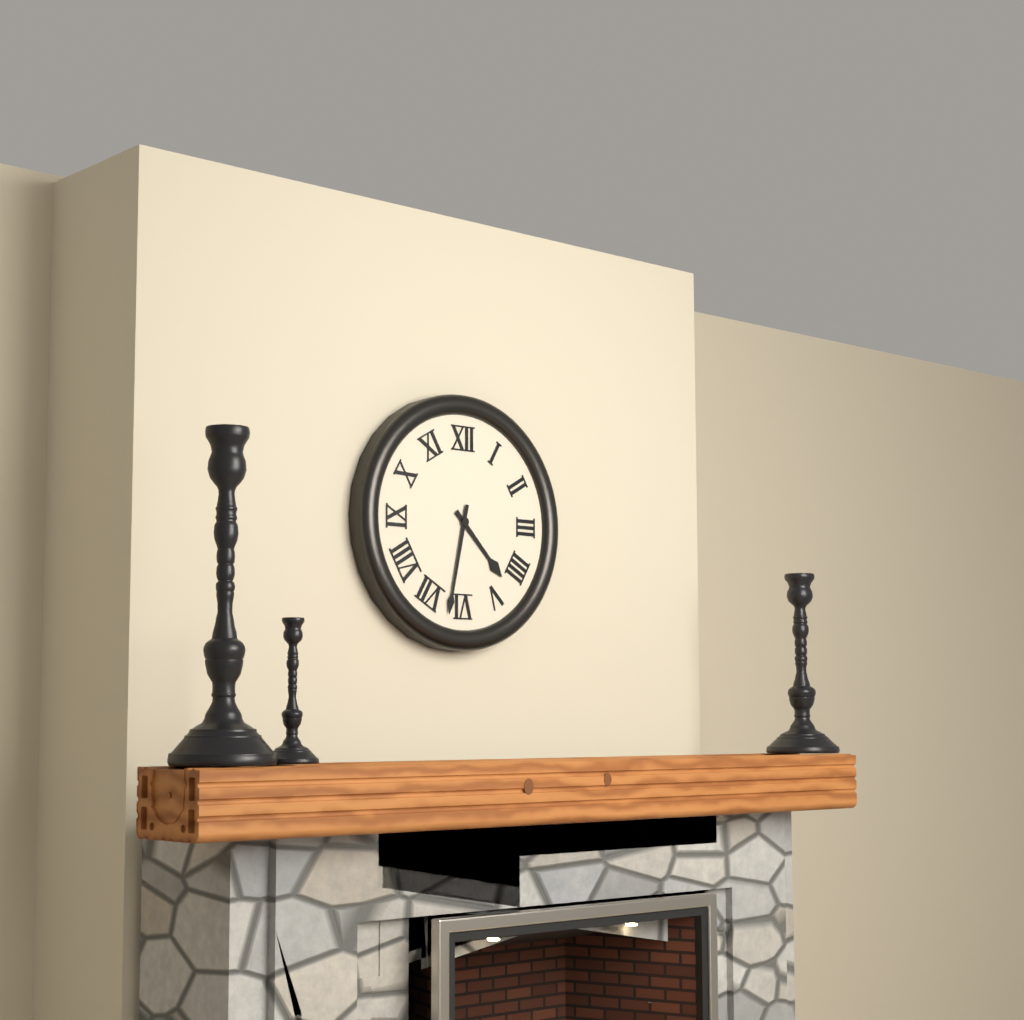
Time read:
**4:32**
